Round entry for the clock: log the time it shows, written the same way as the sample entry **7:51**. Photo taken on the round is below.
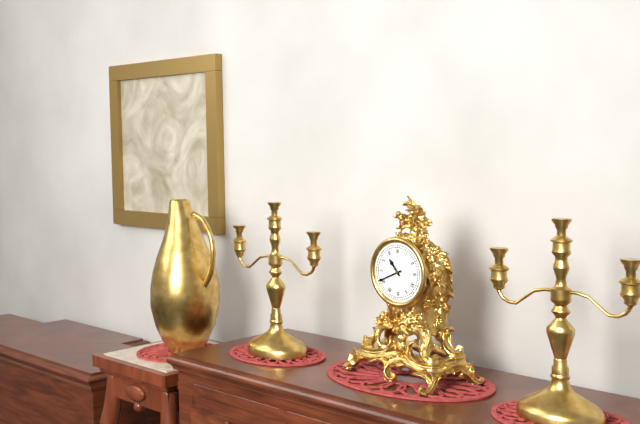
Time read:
**10:41**
